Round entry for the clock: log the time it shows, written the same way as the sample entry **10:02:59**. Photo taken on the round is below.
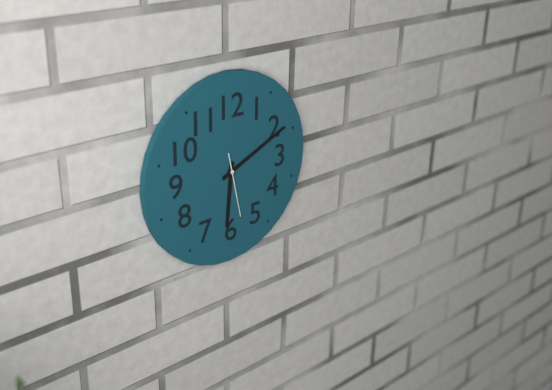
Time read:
**6:11:28**
